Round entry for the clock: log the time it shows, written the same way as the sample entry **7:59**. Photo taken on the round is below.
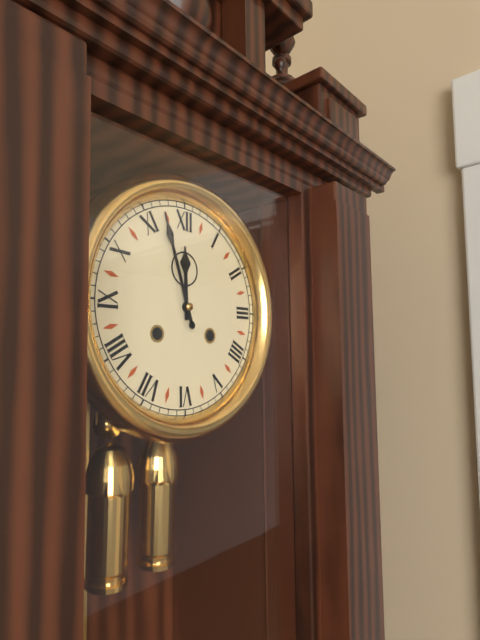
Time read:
**11:57**
